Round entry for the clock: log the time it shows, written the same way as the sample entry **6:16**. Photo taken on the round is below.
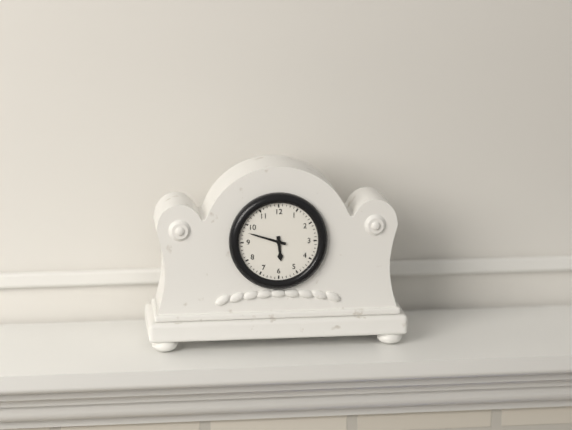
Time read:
**5:48**
